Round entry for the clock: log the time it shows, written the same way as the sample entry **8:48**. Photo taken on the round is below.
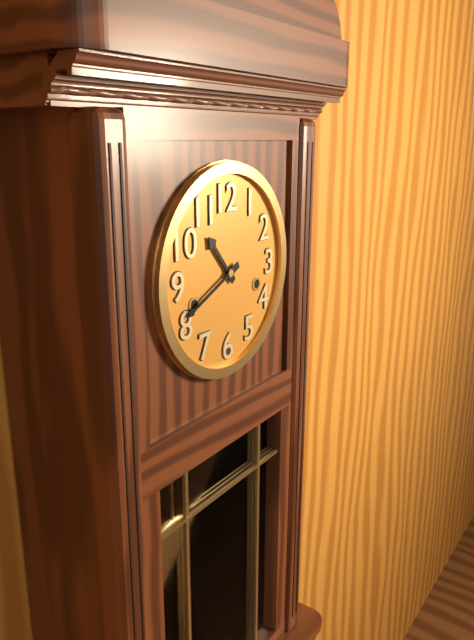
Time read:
**10:41**
